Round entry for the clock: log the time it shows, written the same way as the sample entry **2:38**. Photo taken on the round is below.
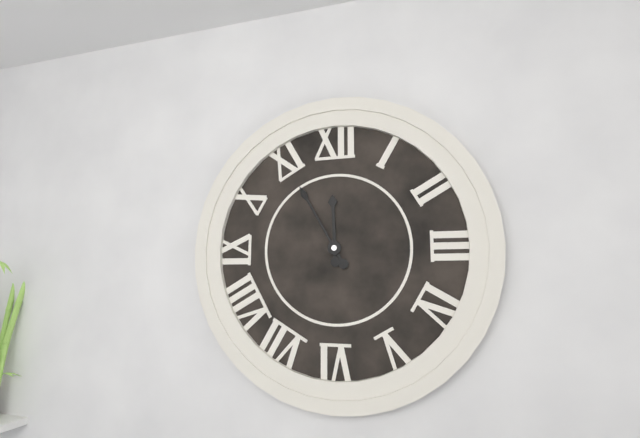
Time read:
**11:55**
